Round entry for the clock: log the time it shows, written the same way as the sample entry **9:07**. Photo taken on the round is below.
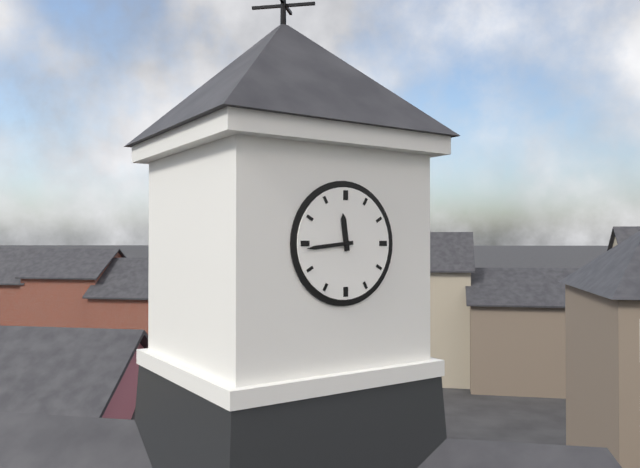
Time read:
**11:44**
